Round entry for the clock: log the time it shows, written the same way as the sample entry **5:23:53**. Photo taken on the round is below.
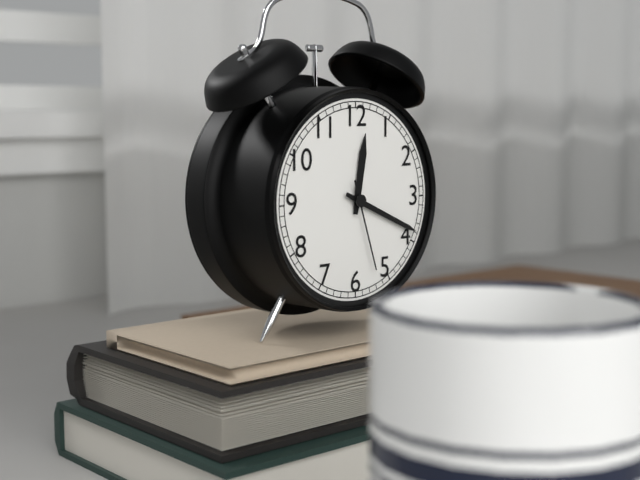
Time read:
**12:19:27**
